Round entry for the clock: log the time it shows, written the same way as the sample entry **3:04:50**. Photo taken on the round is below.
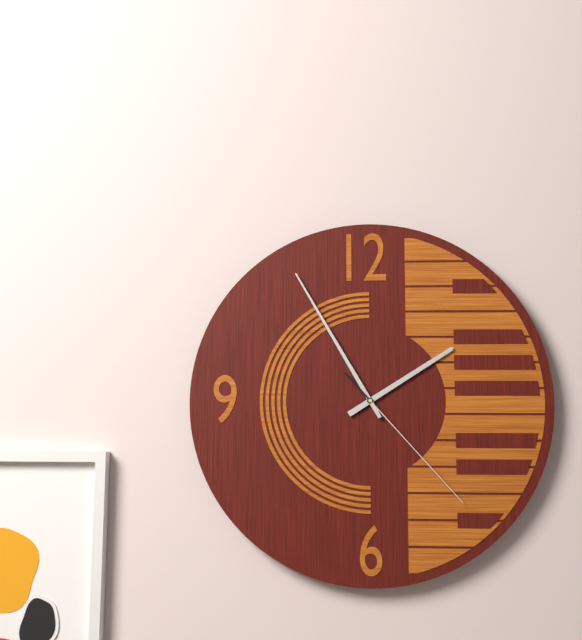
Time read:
**1:55:23**
